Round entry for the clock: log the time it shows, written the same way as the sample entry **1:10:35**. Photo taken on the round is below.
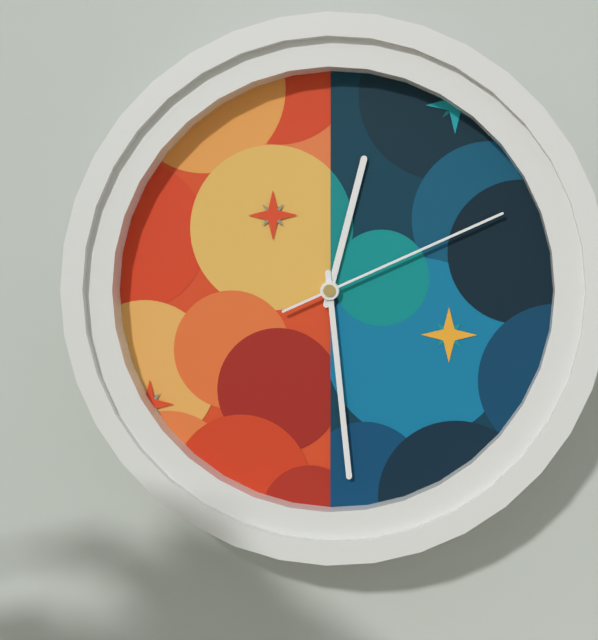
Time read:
**12:29:11**
